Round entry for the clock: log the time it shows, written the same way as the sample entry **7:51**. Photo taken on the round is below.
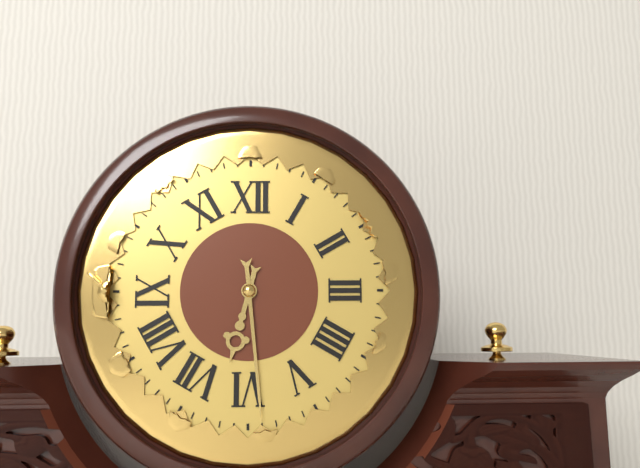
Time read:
**6:29**
